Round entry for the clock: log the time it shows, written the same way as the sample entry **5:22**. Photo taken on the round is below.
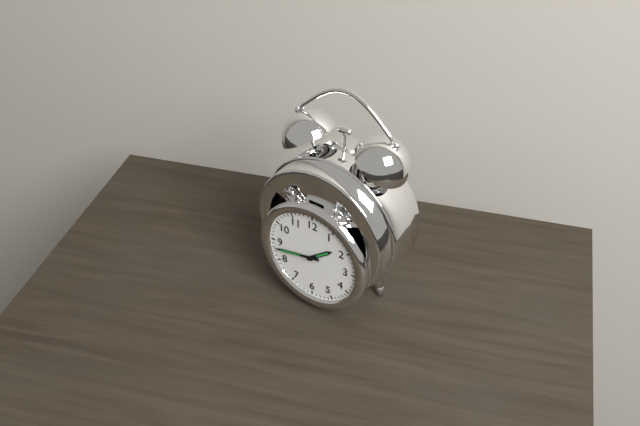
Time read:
**1:43**
